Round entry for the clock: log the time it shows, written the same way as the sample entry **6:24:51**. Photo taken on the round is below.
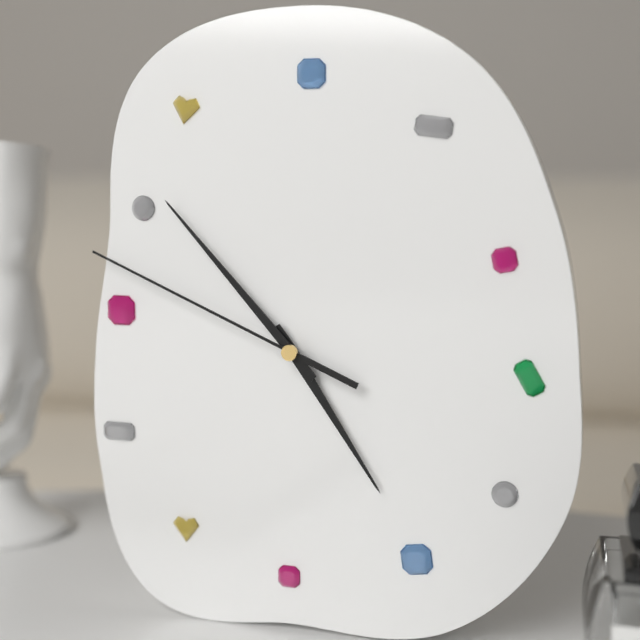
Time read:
**4:53:49**
